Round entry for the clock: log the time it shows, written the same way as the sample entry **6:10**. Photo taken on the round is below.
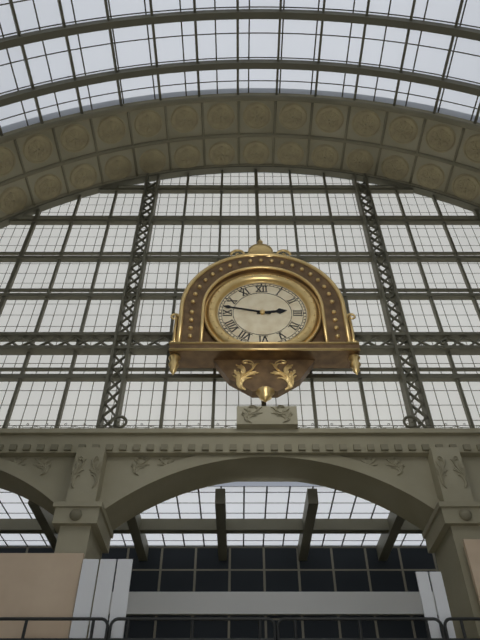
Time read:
**2:47**
